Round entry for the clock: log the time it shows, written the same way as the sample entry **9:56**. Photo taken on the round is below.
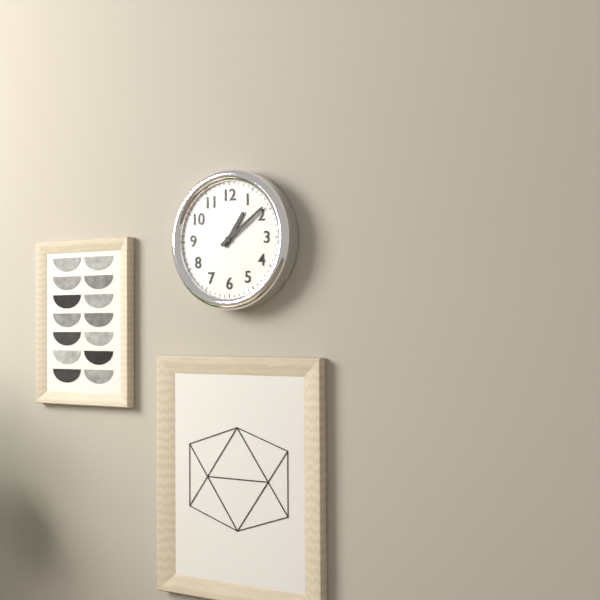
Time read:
**1:09**
